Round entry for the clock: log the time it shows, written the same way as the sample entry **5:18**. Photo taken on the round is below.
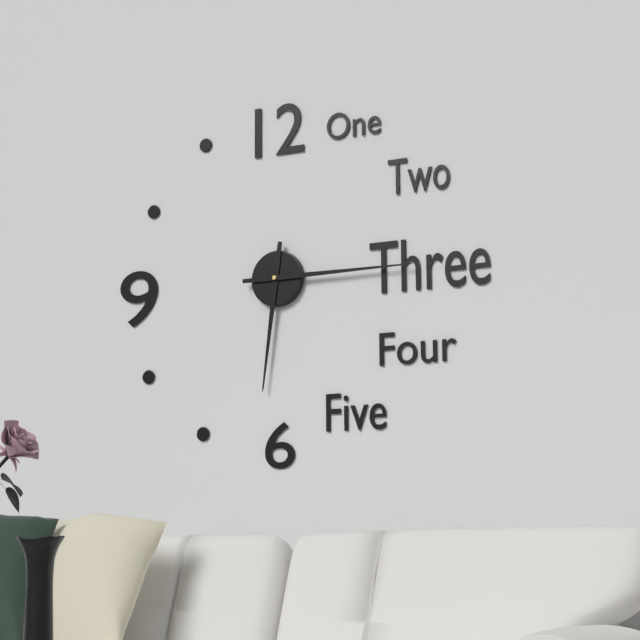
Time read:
**6:15**
